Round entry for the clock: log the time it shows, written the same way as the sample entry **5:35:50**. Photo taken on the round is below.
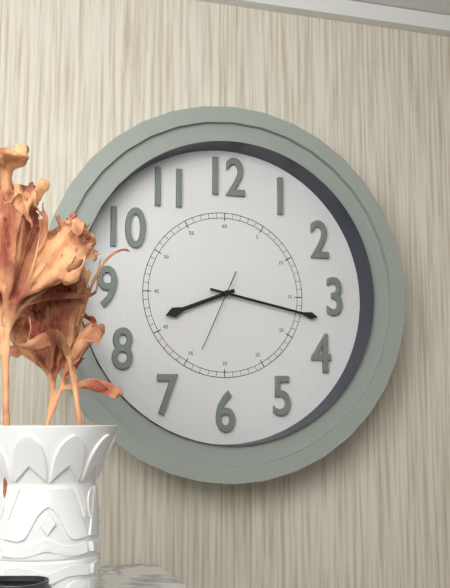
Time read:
**8:17:34**
